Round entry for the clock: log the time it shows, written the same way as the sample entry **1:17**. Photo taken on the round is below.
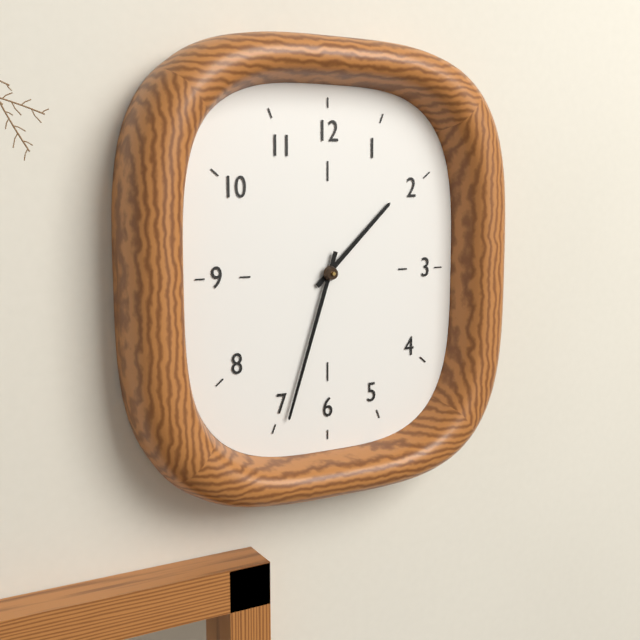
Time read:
**1:33**
